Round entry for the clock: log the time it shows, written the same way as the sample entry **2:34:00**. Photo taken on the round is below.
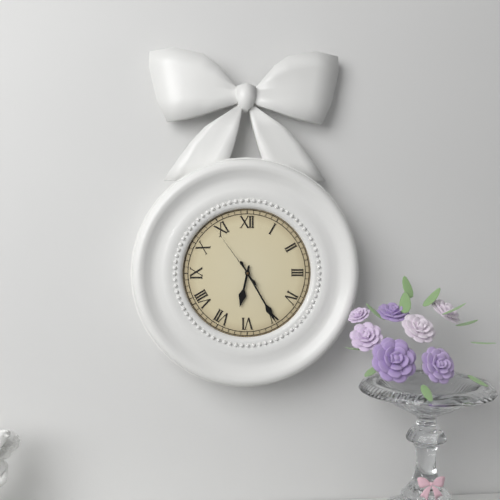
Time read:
**6:25:54**
